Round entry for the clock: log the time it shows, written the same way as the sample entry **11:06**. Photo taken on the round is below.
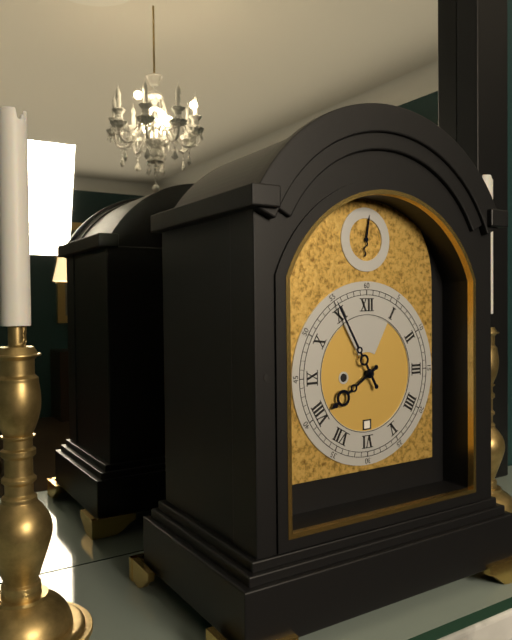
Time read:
**7:55**
